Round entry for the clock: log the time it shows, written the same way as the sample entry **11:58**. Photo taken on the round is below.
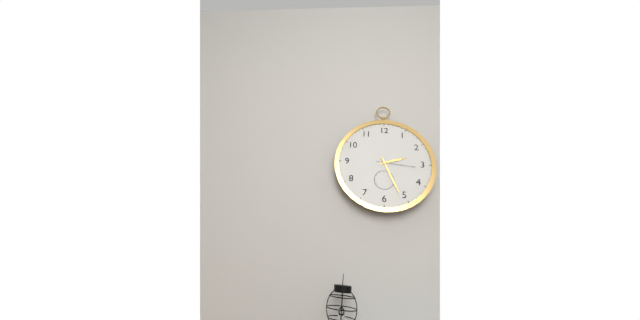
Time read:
**2:26**
